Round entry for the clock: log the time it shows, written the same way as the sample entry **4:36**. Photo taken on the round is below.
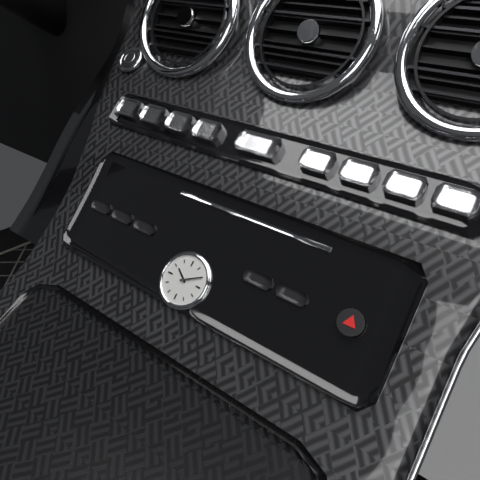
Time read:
**10:10**
